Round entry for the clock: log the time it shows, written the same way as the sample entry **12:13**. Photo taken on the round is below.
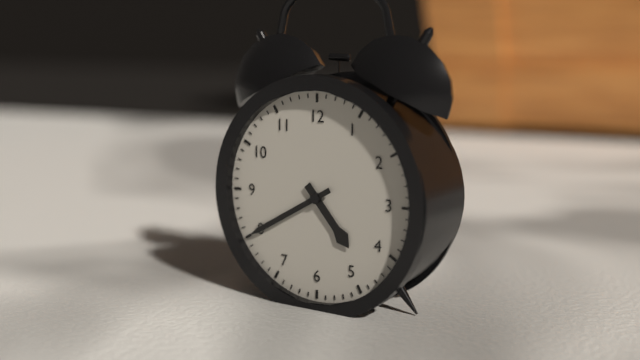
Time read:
**4:40**
